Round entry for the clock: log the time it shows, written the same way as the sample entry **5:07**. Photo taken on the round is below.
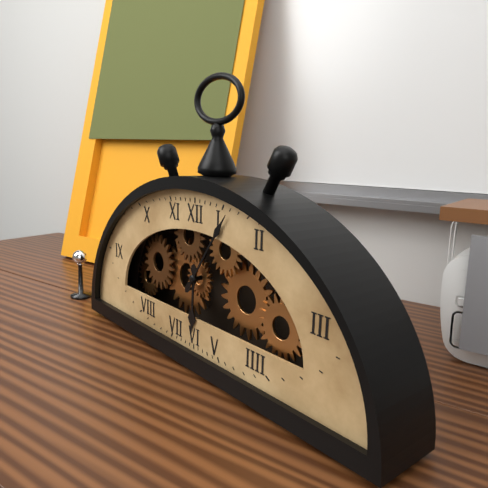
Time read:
**6:06**
